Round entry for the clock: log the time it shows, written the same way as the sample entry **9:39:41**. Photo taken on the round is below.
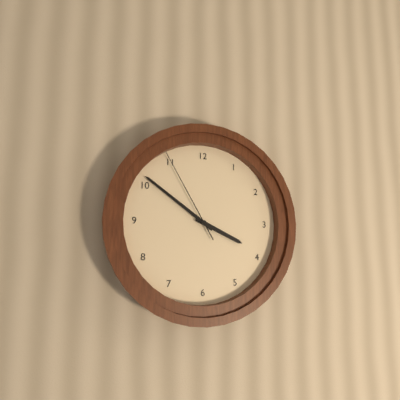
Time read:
**3:51:55**
